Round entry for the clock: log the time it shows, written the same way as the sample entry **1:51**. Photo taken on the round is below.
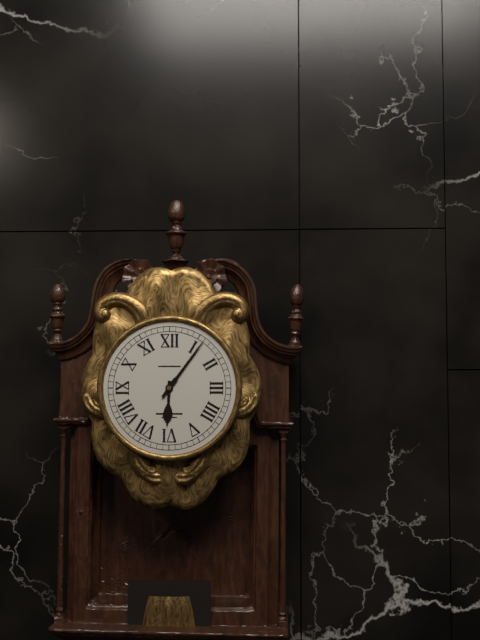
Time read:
**6:06**
